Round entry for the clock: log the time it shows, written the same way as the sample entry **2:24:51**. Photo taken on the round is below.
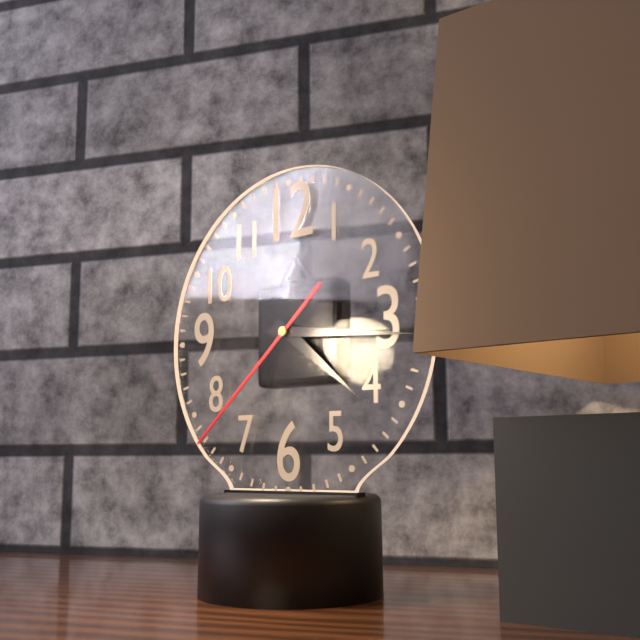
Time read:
**4:16:38**
